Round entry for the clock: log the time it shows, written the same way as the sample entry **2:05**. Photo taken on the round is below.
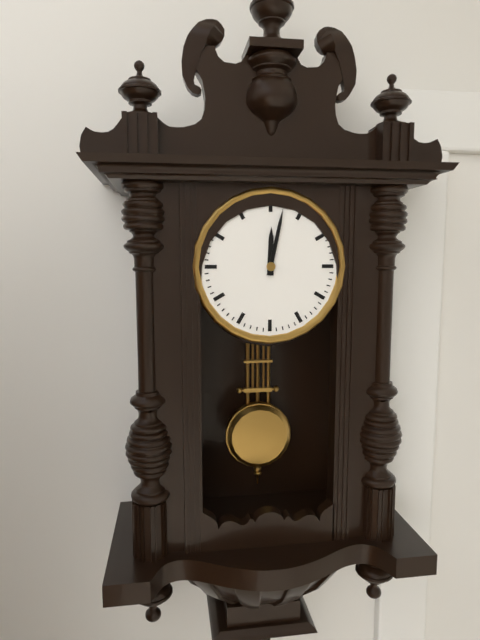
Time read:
**12:02**
